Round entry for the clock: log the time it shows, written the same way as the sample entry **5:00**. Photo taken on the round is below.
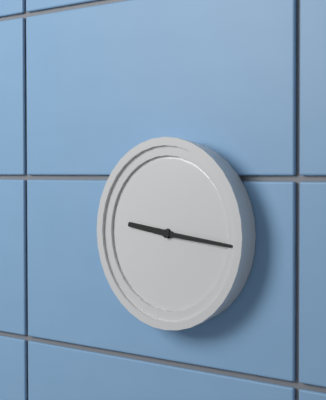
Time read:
**9:16**
